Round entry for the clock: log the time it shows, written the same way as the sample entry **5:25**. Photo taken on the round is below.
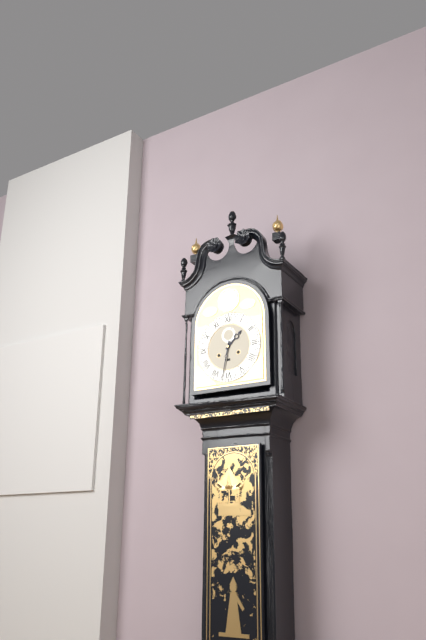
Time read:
**1:32**
